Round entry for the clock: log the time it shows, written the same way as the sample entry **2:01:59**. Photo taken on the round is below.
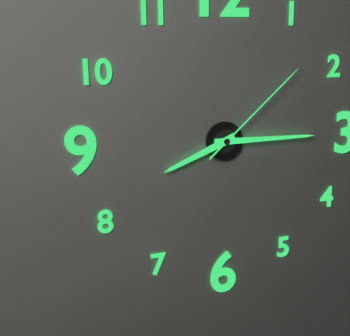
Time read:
**8:15:08**
